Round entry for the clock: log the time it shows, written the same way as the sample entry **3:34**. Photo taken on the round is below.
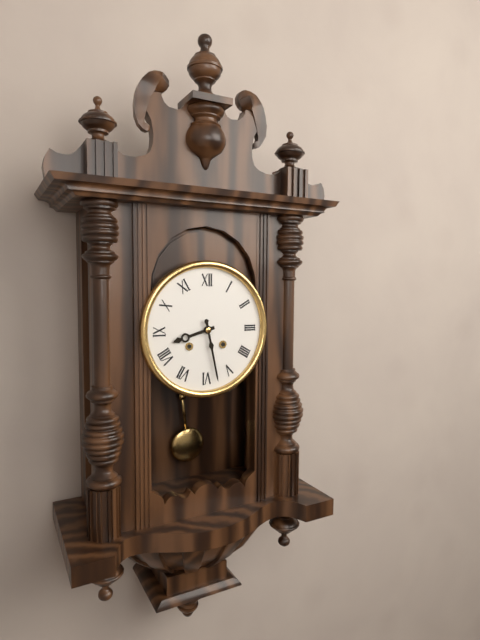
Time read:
**8:28**
